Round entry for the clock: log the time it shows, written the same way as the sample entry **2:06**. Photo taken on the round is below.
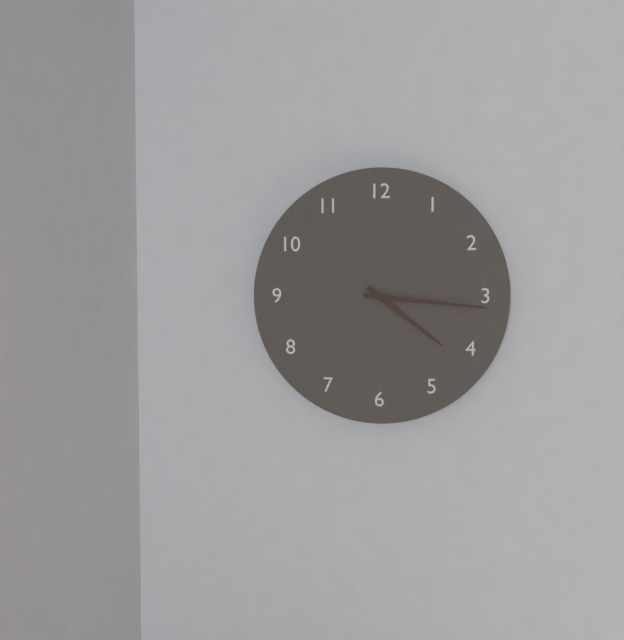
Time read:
**4:16**
